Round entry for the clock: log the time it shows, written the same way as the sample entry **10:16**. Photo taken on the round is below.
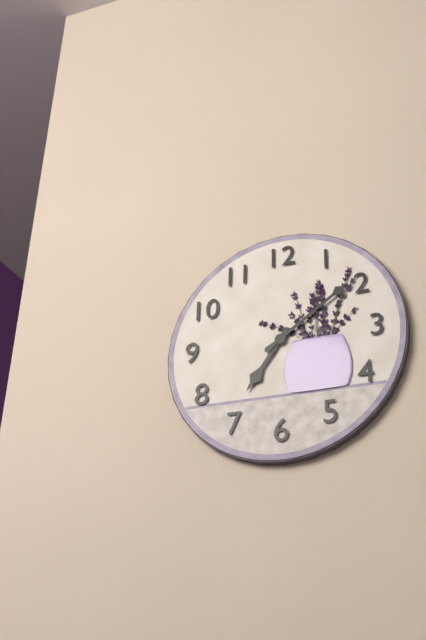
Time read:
**7:09**
